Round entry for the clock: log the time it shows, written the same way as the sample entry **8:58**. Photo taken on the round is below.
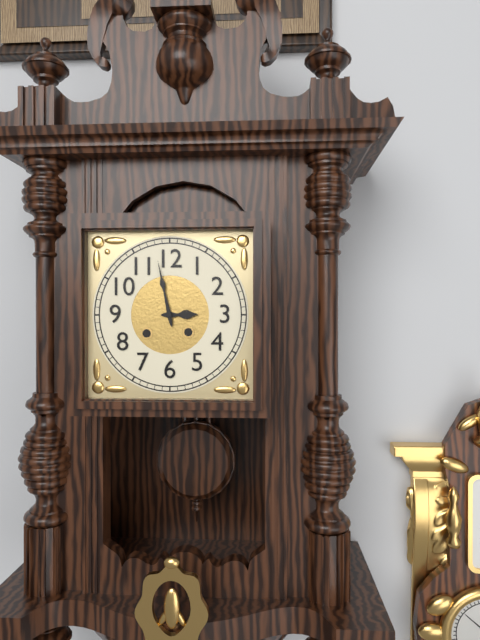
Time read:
**2:58**
